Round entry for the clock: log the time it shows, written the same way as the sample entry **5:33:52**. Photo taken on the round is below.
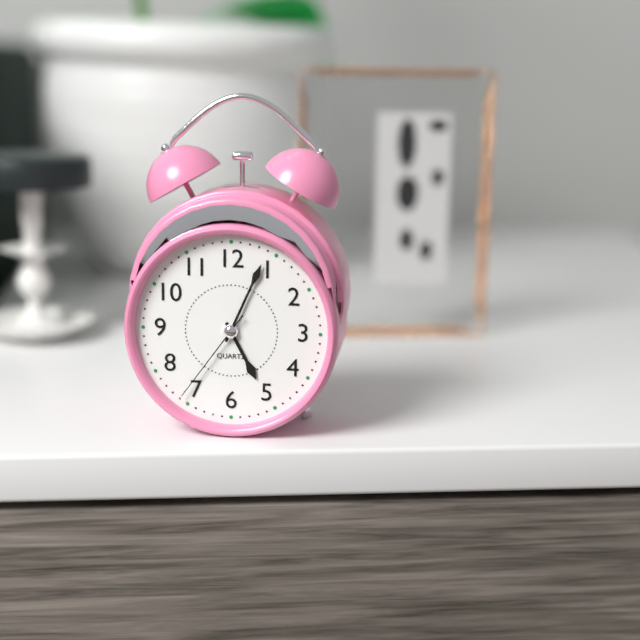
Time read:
**5:04:36**
